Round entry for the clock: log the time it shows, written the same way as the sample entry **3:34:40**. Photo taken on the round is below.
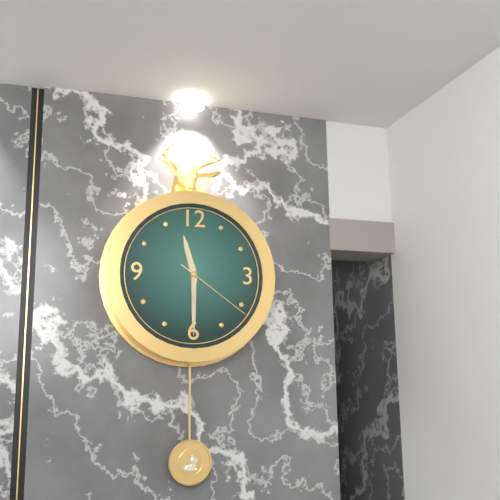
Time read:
**11:30:21**
